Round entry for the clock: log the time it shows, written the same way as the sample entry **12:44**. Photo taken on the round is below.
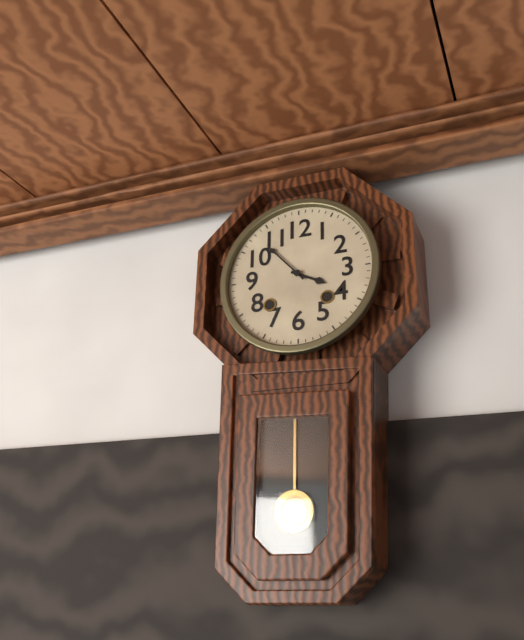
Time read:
**3:53**
